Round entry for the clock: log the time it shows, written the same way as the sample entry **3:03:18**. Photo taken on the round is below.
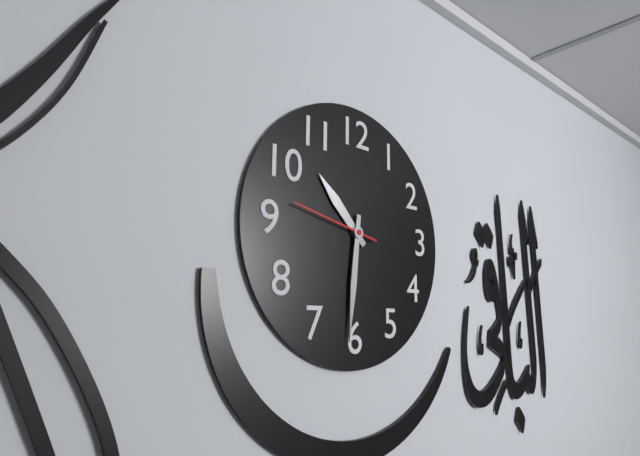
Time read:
**10:31:47**
